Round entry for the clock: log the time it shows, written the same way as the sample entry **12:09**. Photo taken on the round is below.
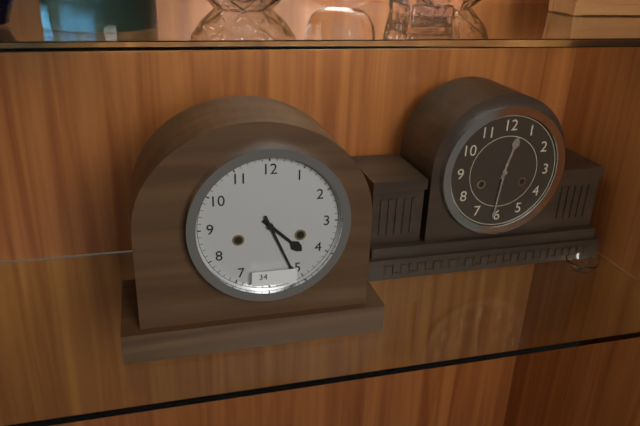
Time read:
**4:26**
